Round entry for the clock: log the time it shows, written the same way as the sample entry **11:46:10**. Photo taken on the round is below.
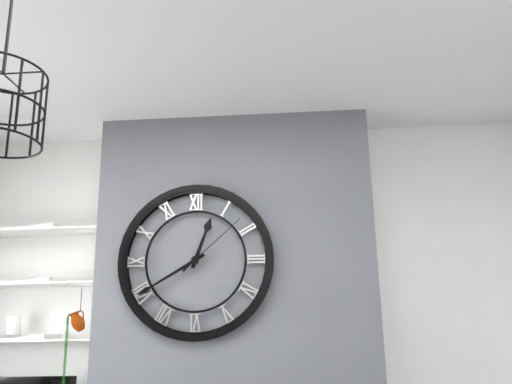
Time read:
**12:40:08**
